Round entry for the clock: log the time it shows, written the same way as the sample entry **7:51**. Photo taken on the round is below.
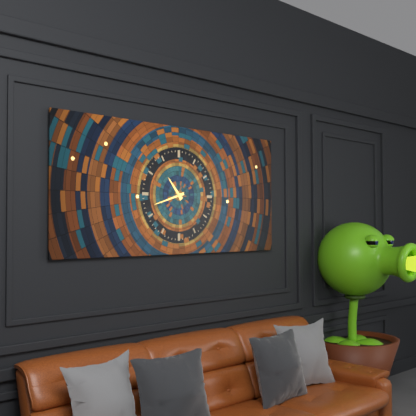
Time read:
**10:42**
